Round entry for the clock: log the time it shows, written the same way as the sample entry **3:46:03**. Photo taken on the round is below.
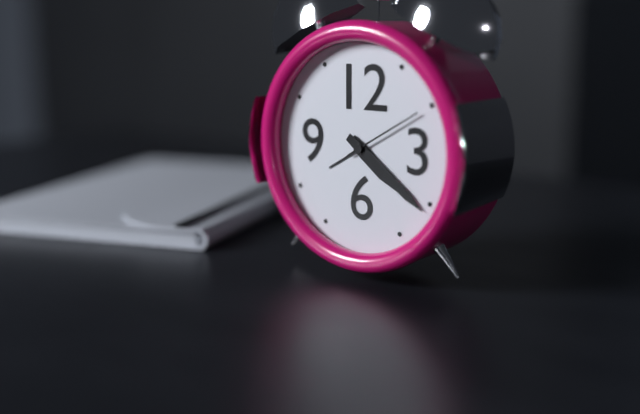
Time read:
**4:21:10**
